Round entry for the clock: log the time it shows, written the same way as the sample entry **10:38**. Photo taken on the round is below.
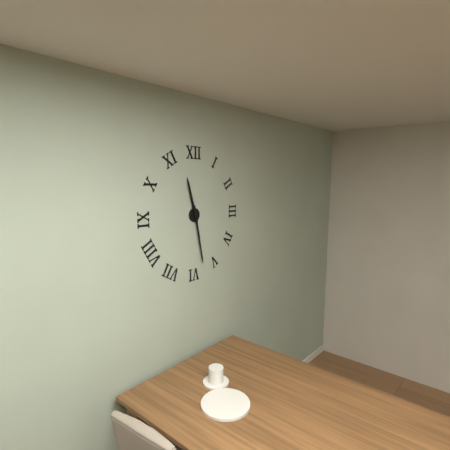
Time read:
**11:28**
